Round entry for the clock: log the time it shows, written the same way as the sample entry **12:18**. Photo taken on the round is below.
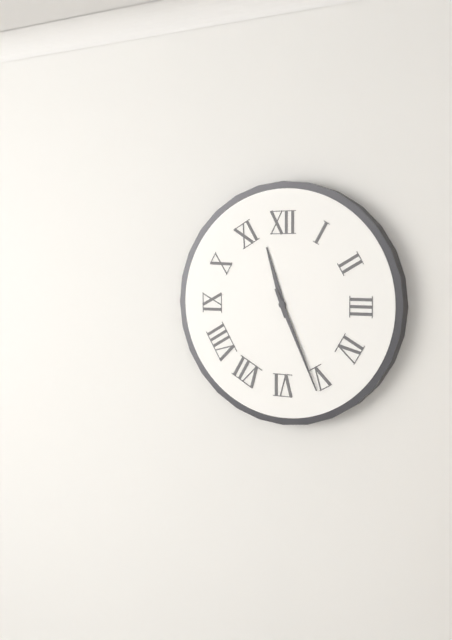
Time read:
**11:26**
